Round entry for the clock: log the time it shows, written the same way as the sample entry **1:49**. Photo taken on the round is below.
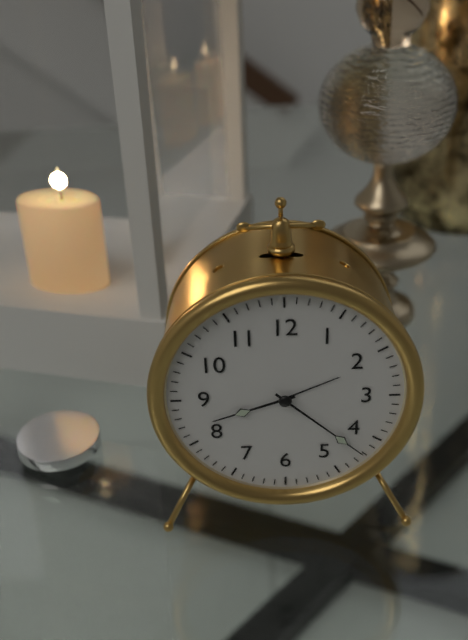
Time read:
**8:22**
